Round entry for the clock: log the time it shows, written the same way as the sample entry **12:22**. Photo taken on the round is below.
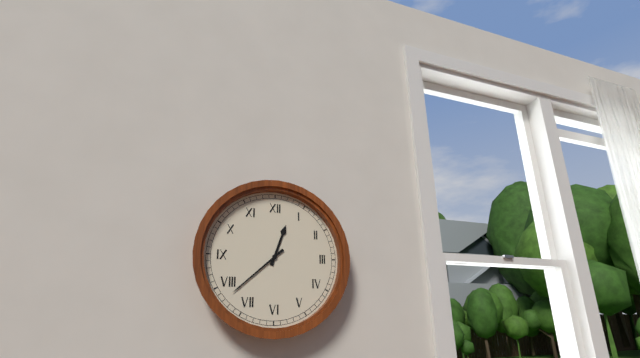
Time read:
**12:38**
